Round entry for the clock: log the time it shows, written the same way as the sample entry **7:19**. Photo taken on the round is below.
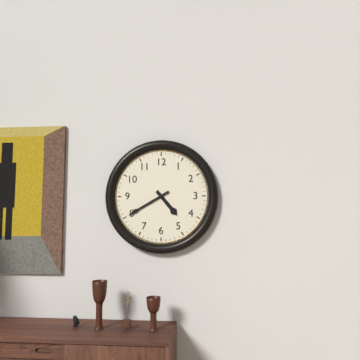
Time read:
**4:40**
